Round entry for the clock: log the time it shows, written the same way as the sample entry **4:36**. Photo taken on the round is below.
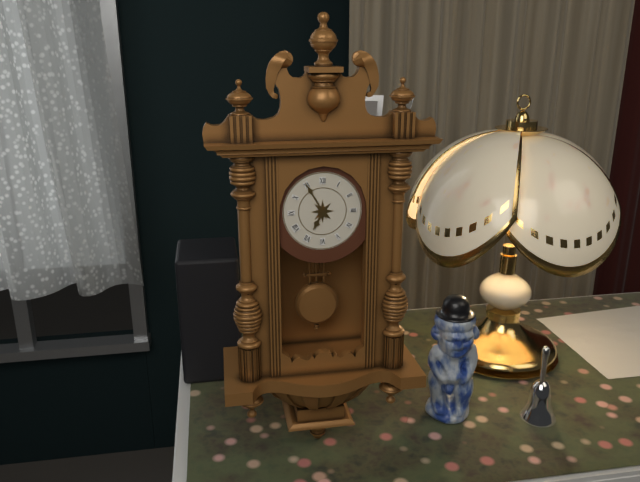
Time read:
**6:55**
